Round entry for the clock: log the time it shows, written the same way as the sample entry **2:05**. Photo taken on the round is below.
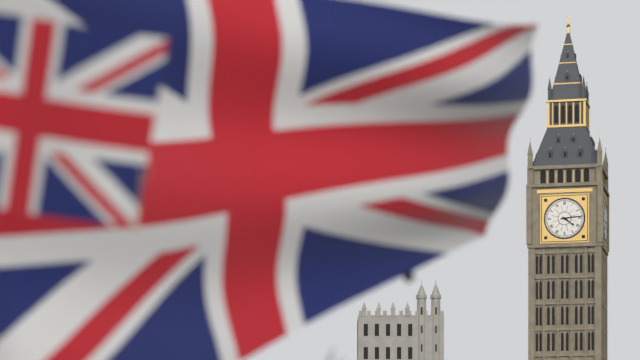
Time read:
**4:14**
